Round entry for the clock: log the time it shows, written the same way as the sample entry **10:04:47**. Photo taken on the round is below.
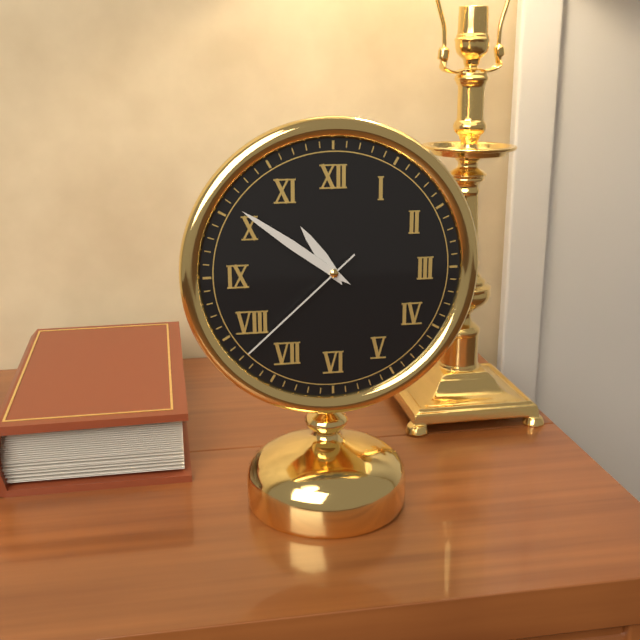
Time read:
**10:51:38**
